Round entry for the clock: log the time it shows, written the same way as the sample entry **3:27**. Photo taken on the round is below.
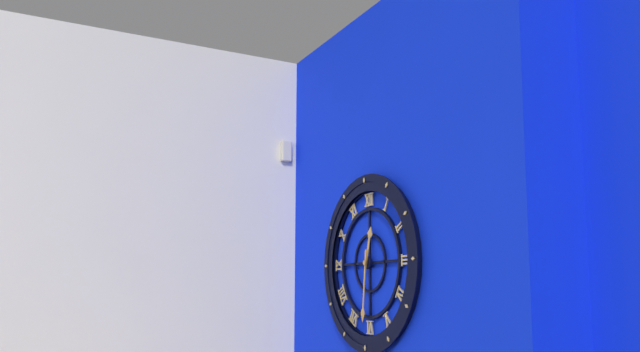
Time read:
**12:31**
